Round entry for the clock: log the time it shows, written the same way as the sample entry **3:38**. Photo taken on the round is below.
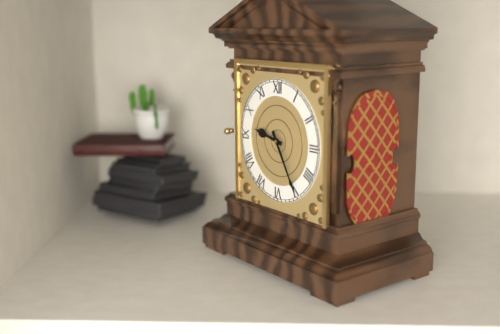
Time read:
**9:25**
